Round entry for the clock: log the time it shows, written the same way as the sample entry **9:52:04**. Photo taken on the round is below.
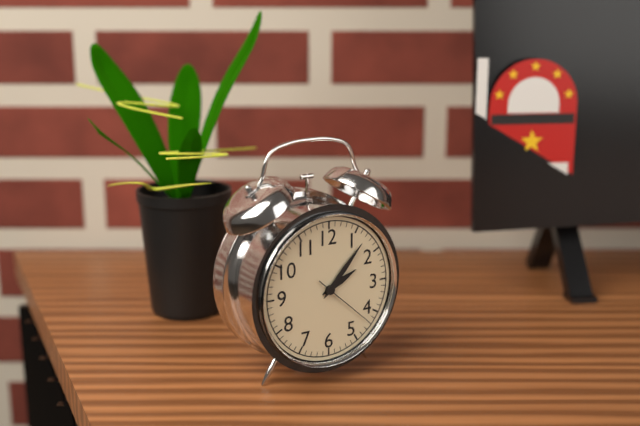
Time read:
**2:07:22**
